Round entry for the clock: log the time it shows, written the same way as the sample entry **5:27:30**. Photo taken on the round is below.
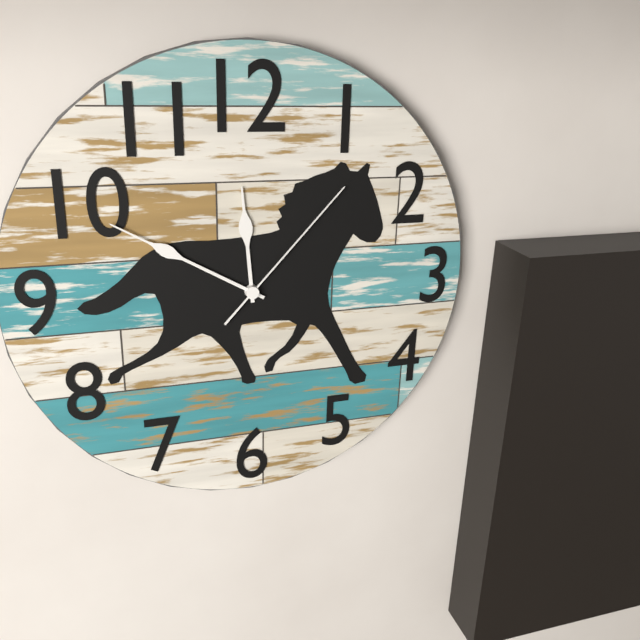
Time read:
**11:50:07**
